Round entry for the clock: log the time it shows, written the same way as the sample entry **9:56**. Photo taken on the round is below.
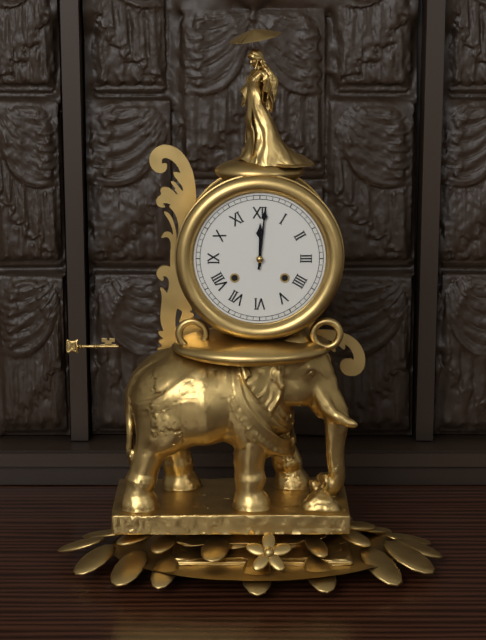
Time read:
**12:01**
